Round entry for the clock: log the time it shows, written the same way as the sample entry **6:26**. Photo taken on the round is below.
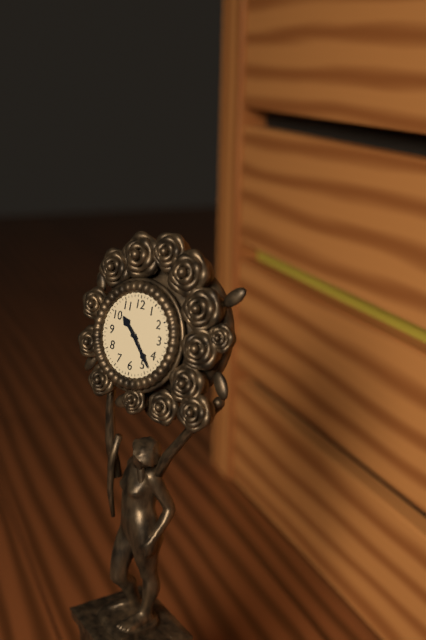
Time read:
**10:23**
